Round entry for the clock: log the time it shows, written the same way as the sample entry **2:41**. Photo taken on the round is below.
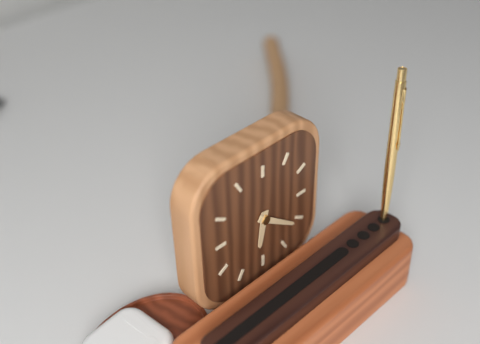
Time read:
**6:21**
